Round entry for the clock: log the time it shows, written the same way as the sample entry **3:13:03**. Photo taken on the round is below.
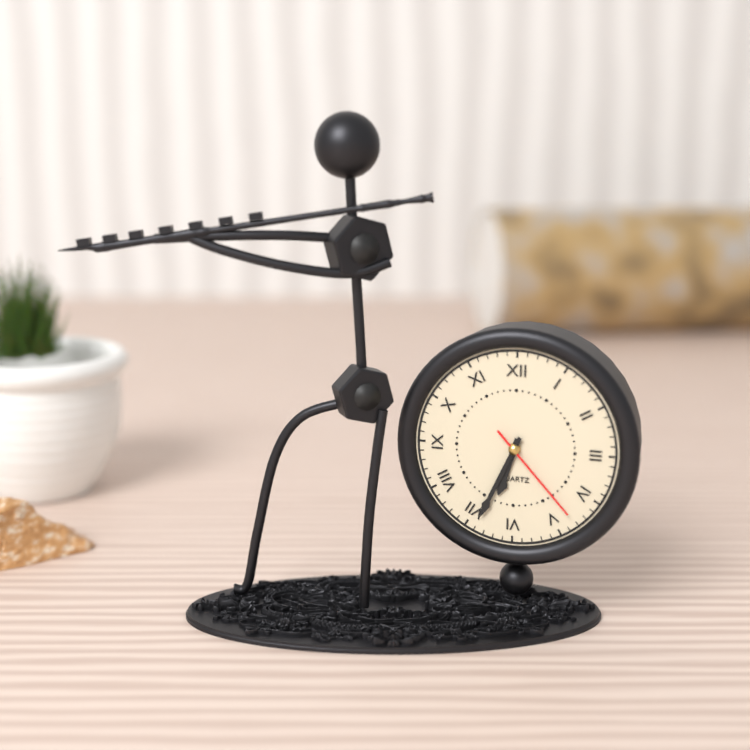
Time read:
**6:34:23**
